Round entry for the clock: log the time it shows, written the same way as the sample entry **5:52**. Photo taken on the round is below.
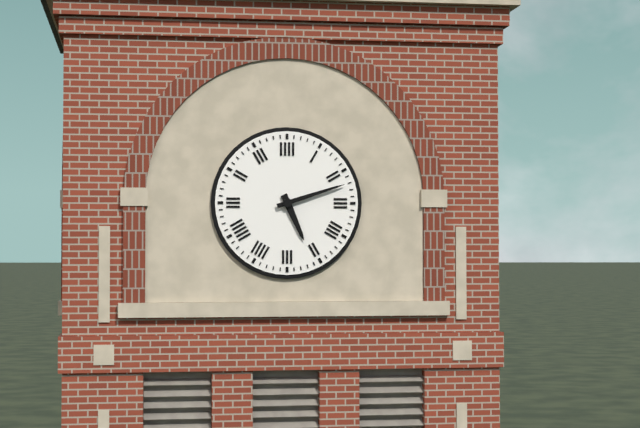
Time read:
**5:12**
